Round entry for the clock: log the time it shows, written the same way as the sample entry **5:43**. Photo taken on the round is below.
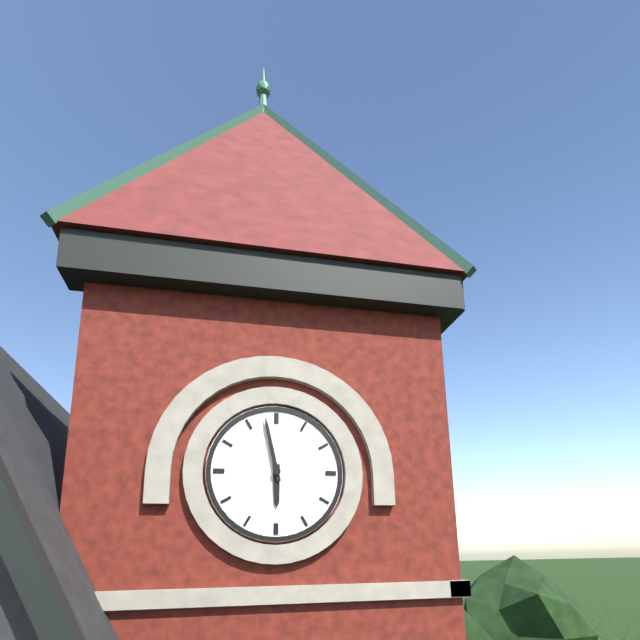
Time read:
**5:58**
